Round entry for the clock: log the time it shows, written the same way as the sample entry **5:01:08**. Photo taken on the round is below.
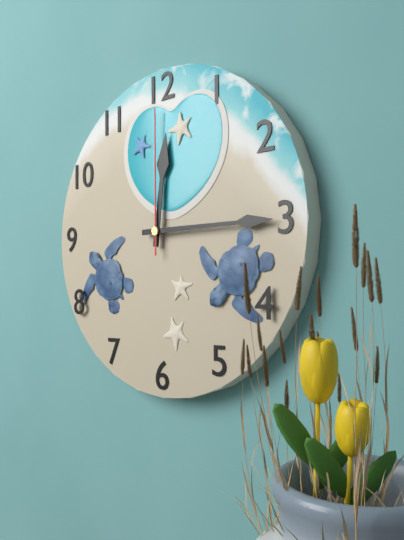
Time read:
**12:15:00**
